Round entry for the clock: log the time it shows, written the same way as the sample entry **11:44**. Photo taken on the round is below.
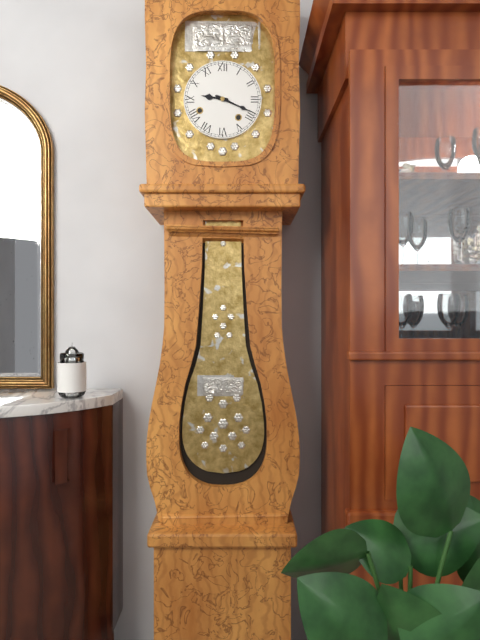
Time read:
**9:19**
